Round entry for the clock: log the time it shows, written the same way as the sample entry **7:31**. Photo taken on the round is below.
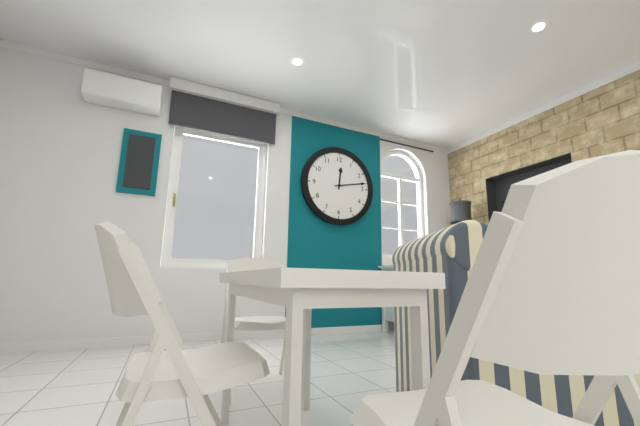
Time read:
**12:13**
